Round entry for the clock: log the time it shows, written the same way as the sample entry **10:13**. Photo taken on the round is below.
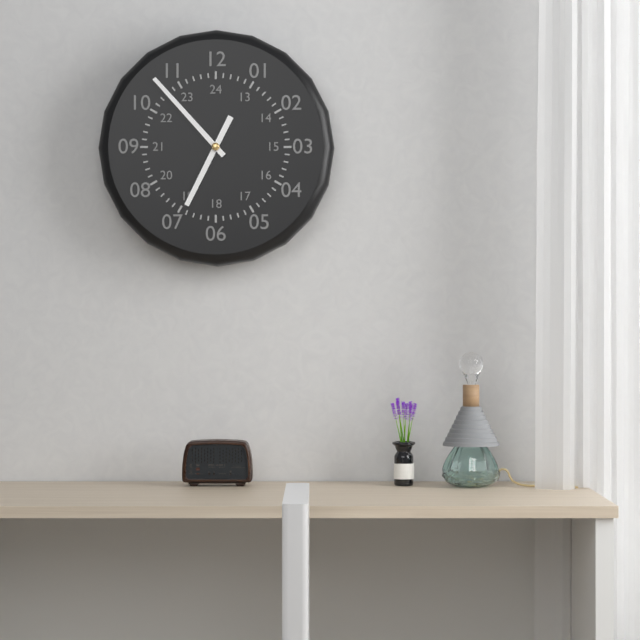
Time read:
**6:53**
